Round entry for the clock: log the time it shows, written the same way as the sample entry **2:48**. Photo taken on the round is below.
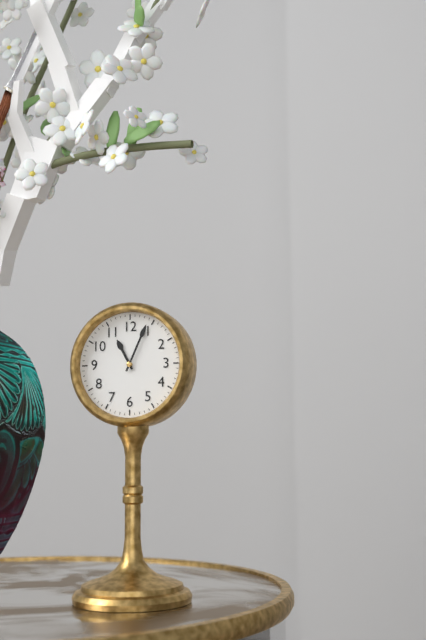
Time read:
**11:04**
